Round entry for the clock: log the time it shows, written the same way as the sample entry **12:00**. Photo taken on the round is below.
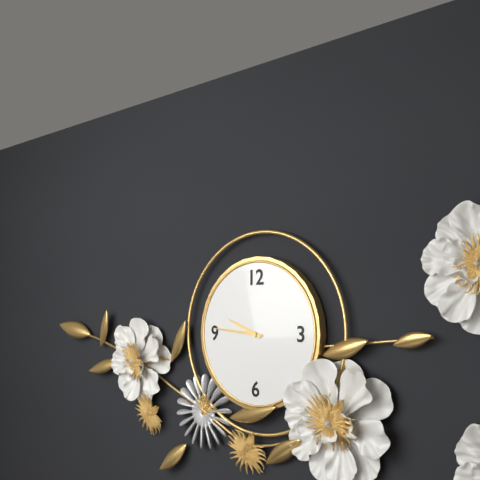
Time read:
**9:46**
